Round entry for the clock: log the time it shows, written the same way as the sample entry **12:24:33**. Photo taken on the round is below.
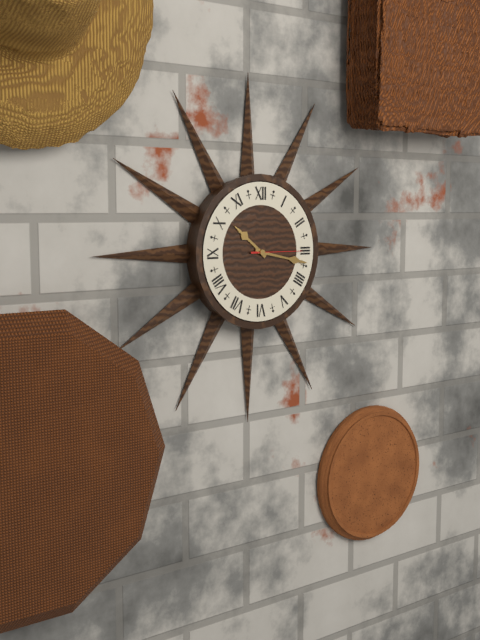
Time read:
**10:17:15**
